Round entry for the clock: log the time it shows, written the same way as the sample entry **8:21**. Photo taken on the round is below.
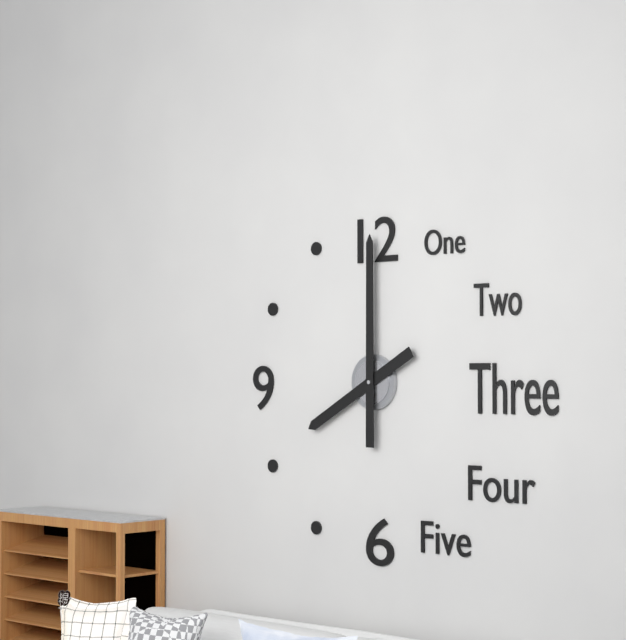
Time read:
**8:00**
